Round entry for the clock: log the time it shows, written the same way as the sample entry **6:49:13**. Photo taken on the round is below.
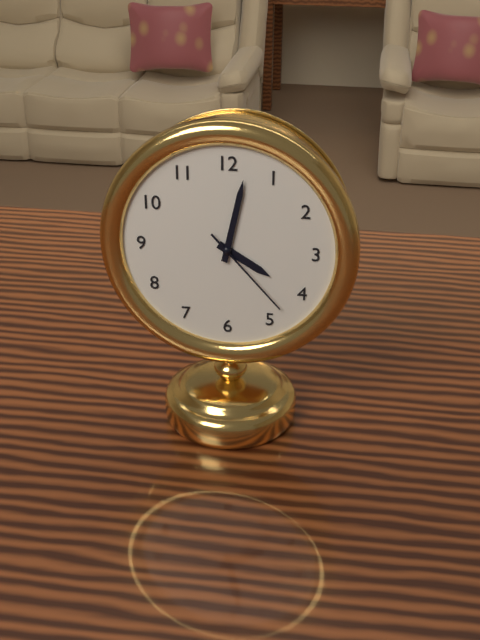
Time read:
**4:02:23**
